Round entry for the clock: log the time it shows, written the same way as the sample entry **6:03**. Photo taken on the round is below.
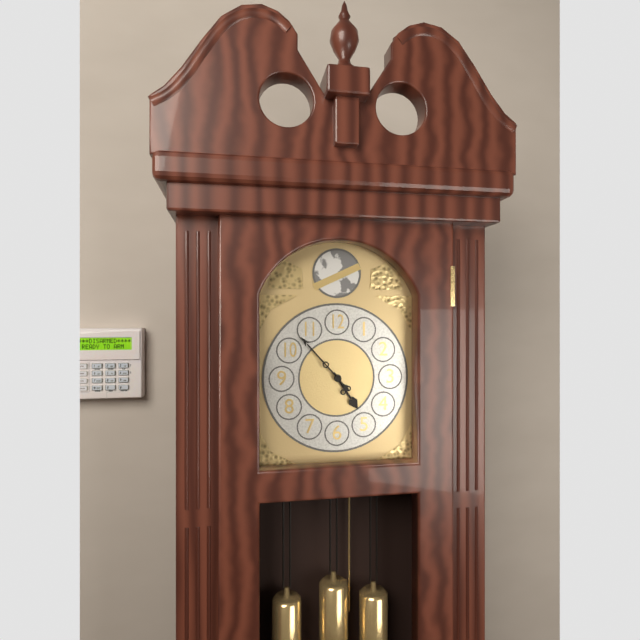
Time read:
**4:53**
